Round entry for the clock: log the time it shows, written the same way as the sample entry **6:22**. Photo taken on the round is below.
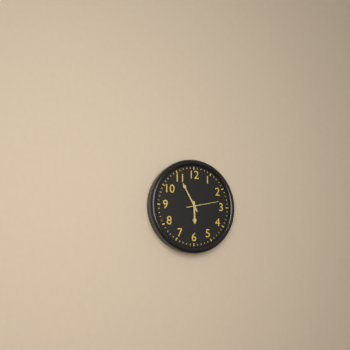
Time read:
**5:55**
